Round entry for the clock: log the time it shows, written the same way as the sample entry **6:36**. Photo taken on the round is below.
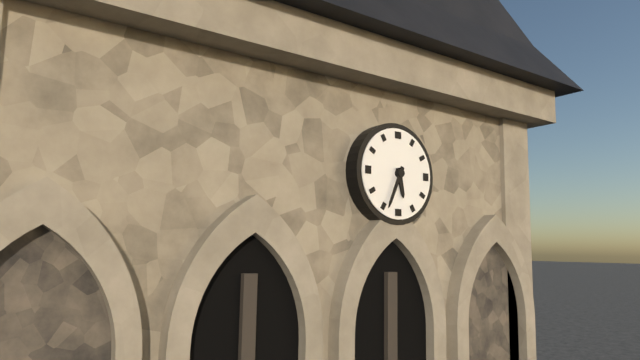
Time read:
**5:34**
